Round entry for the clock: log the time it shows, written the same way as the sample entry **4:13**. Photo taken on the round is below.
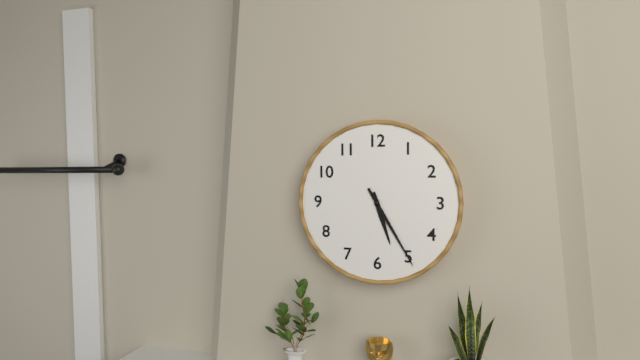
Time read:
**5:25**
